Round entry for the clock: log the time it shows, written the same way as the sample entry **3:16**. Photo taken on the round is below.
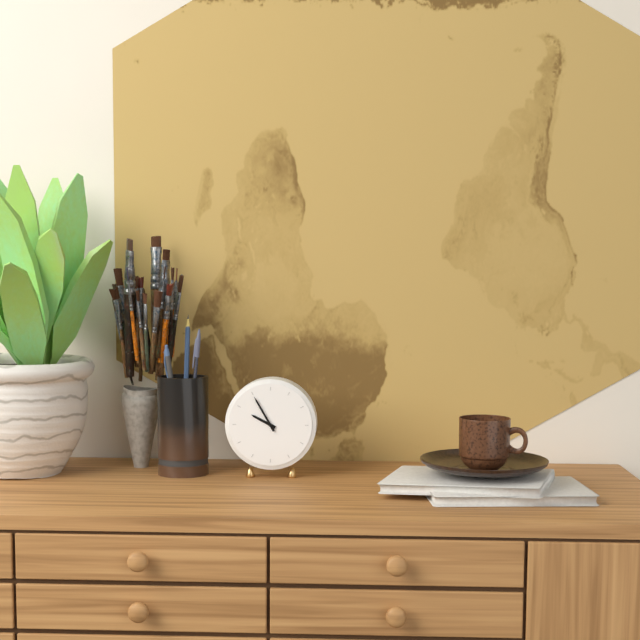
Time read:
**9:55**
